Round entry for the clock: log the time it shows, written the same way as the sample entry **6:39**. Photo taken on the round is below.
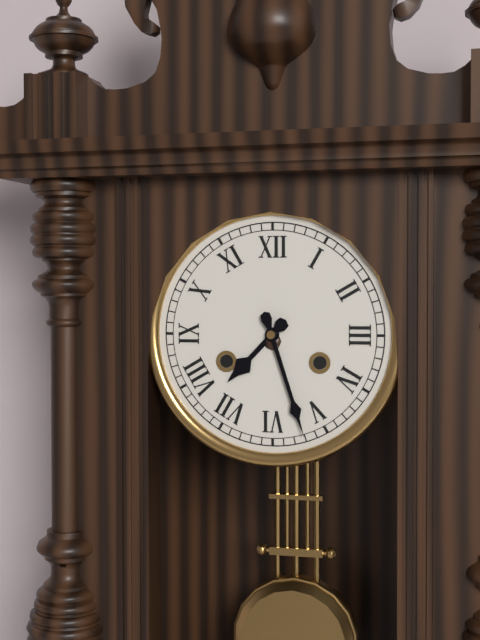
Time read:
**7:27**
